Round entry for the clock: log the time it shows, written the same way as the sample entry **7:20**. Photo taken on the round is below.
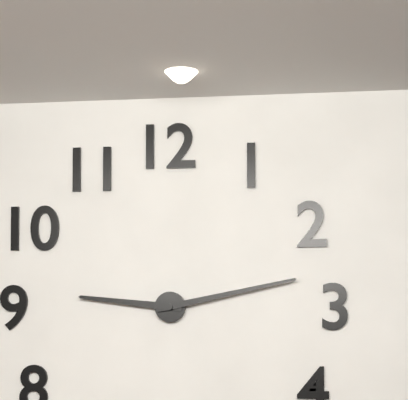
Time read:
**9:13**
